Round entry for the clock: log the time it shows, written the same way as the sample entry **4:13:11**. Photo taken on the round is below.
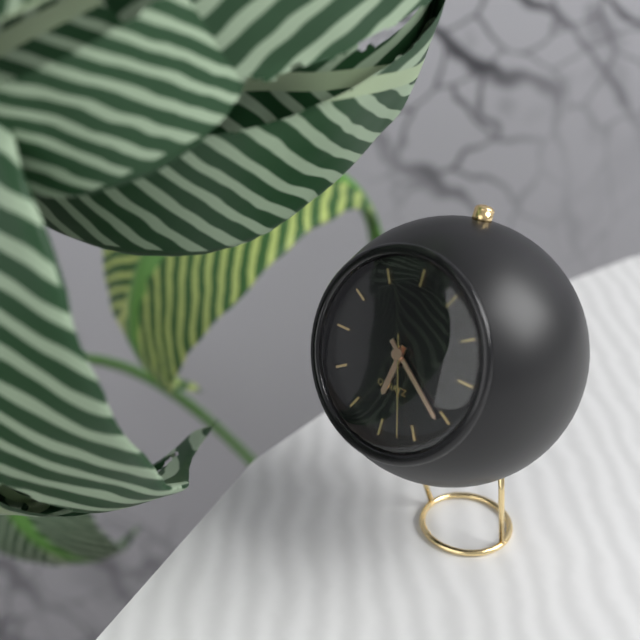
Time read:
**6:21:27**
